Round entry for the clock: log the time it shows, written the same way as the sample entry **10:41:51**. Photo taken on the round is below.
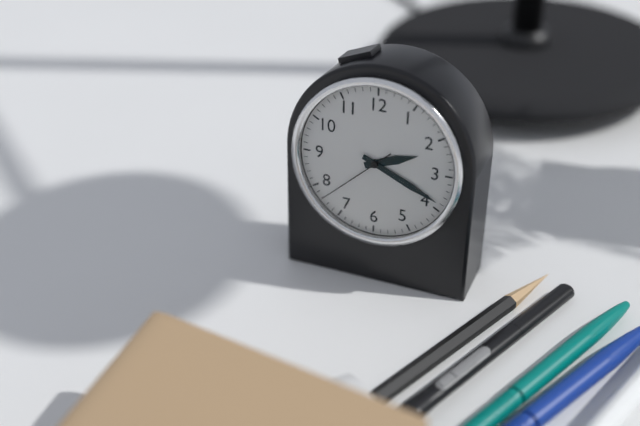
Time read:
**2:19:38**
